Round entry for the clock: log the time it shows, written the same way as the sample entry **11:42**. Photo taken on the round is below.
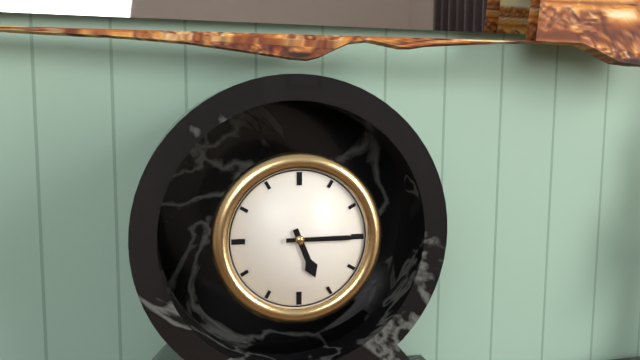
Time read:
**5:15**
